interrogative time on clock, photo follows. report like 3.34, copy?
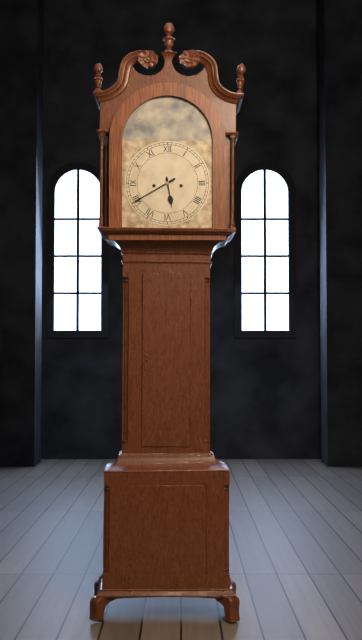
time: 5.40
